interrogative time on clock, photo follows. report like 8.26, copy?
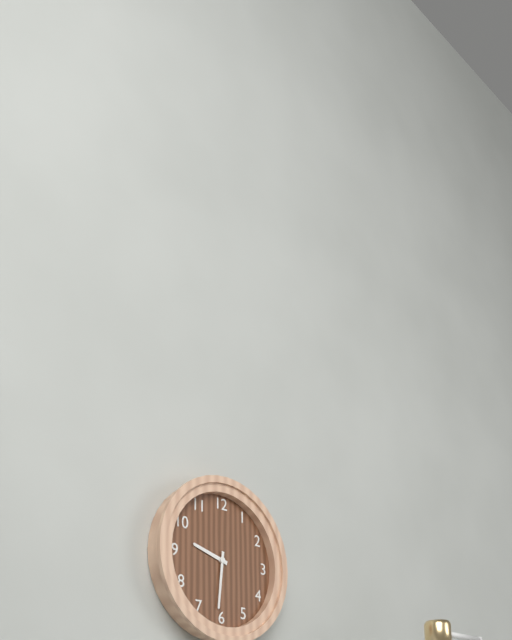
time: 9.31
